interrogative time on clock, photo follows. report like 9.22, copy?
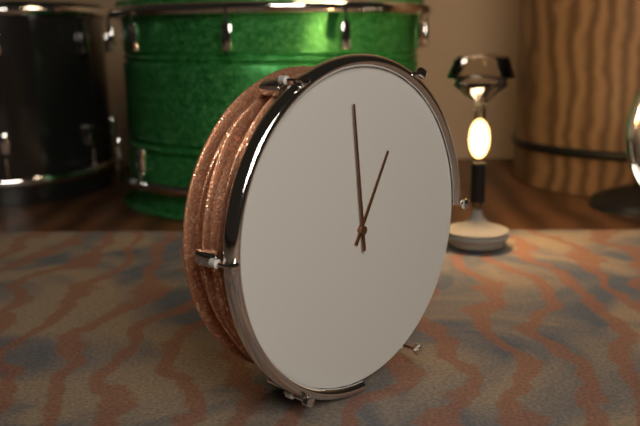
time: 12.59
